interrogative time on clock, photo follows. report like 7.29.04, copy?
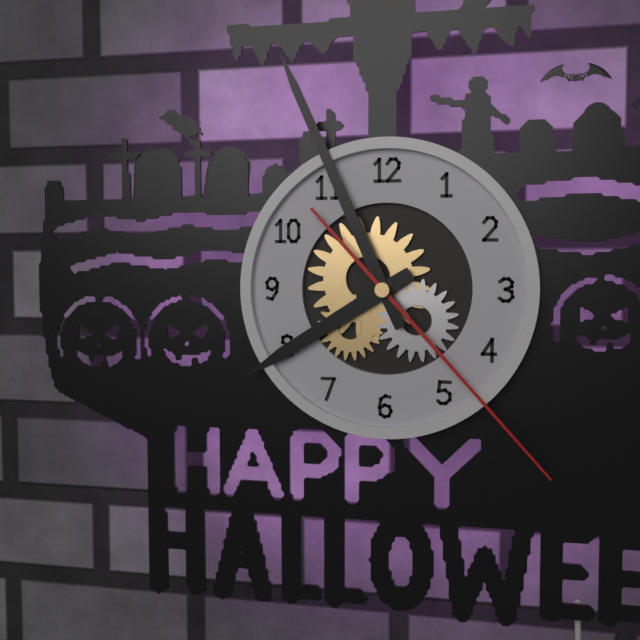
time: 7.56.23
